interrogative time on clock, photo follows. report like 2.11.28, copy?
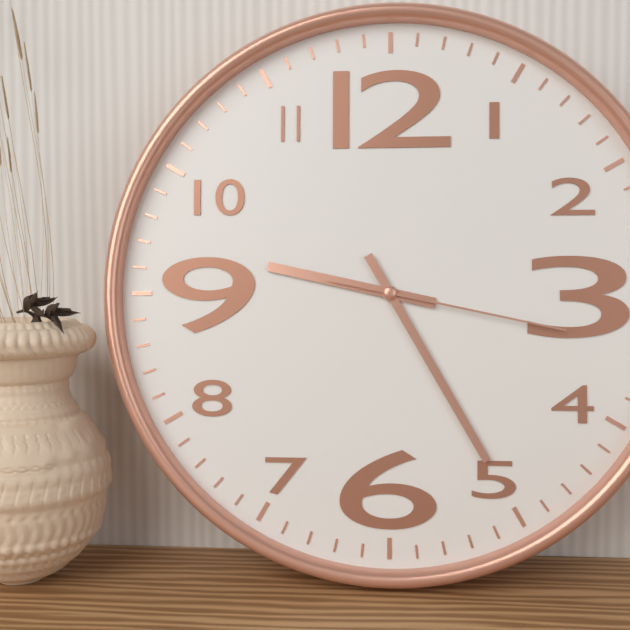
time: 9.25.17
